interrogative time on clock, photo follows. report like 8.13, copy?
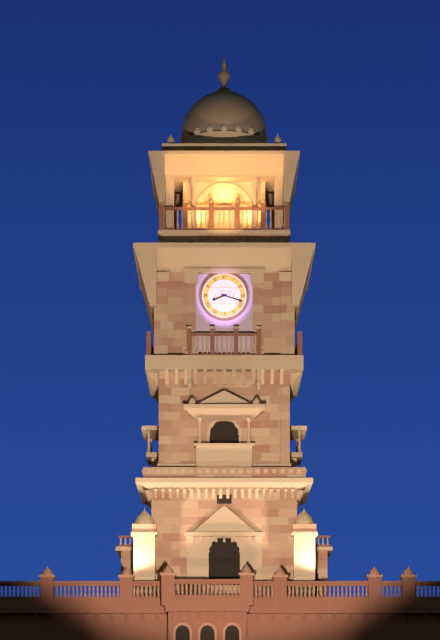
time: 8.18
